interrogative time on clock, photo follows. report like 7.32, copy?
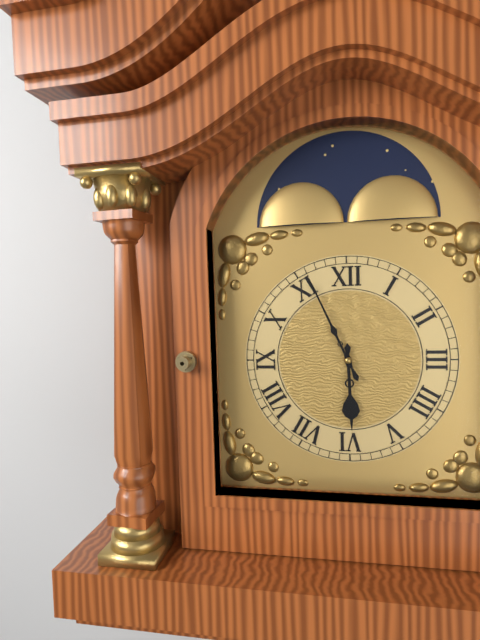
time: 5.56
